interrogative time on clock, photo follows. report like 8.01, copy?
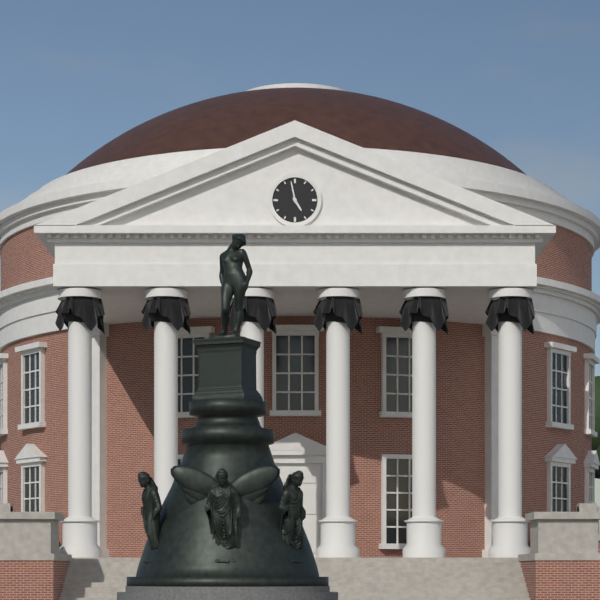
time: 4.58
